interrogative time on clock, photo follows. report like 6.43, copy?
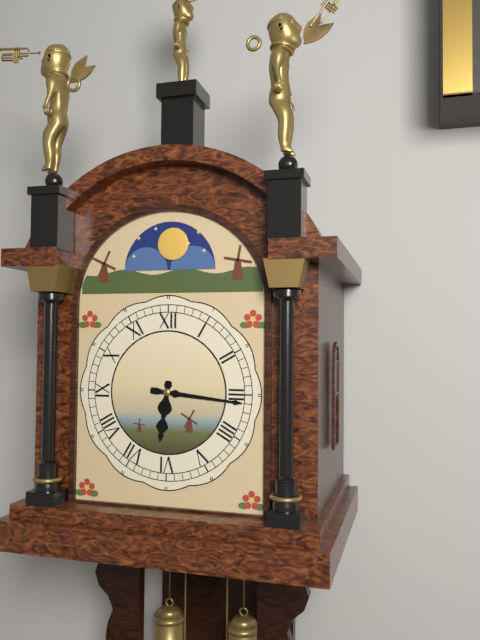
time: 6.16
